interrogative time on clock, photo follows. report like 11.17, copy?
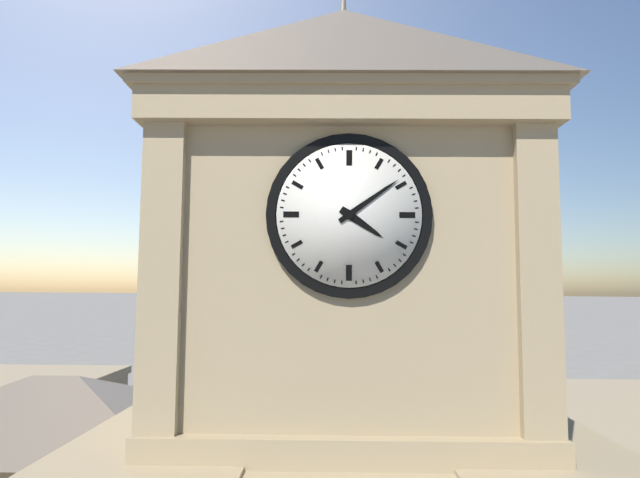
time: 4.09
